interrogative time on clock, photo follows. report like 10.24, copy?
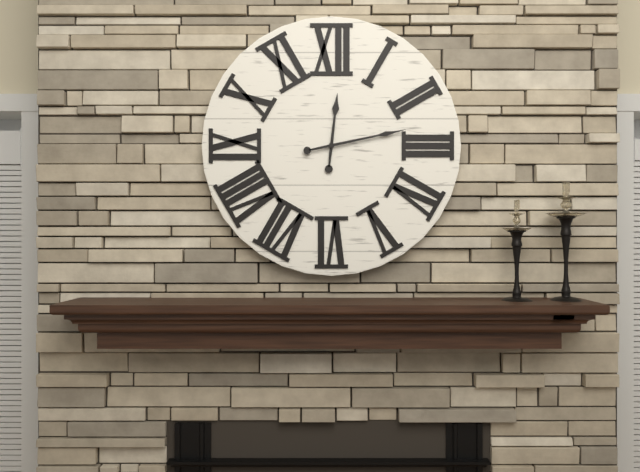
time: 12.13
